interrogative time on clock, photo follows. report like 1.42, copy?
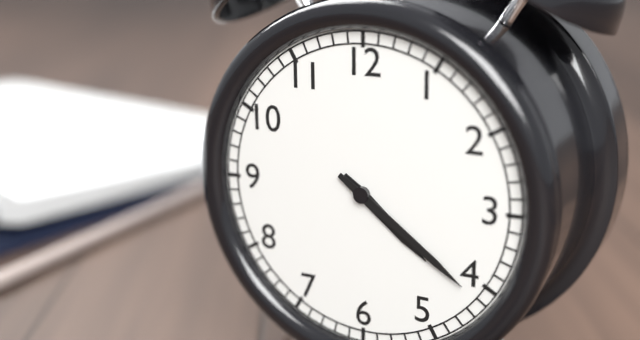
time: 4.21
